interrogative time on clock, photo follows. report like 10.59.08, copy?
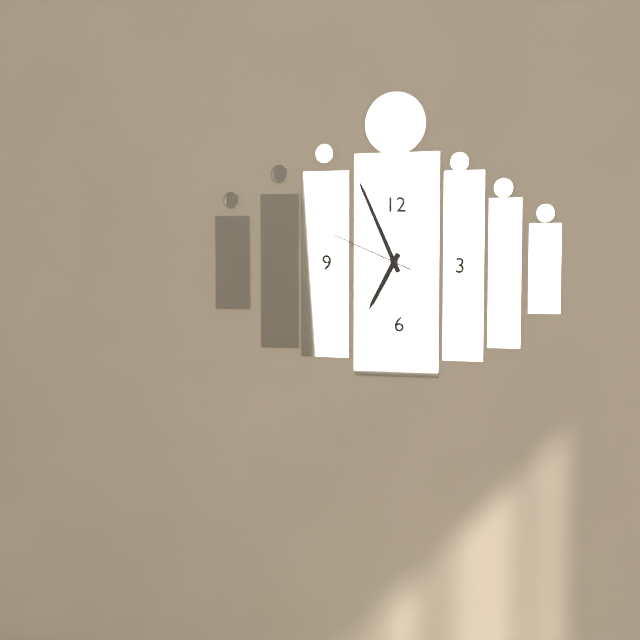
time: 6.56.49
